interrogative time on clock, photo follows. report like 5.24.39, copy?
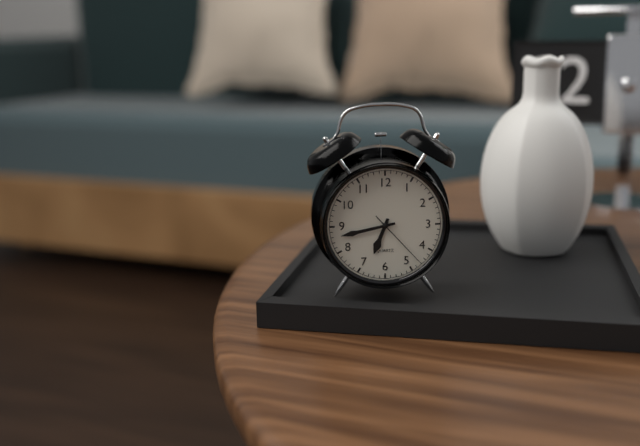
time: 6.43.23
